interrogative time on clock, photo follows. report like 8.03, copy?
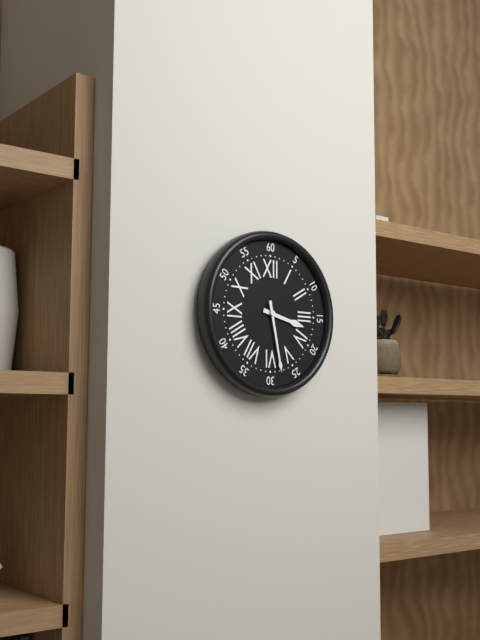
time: 3.28
